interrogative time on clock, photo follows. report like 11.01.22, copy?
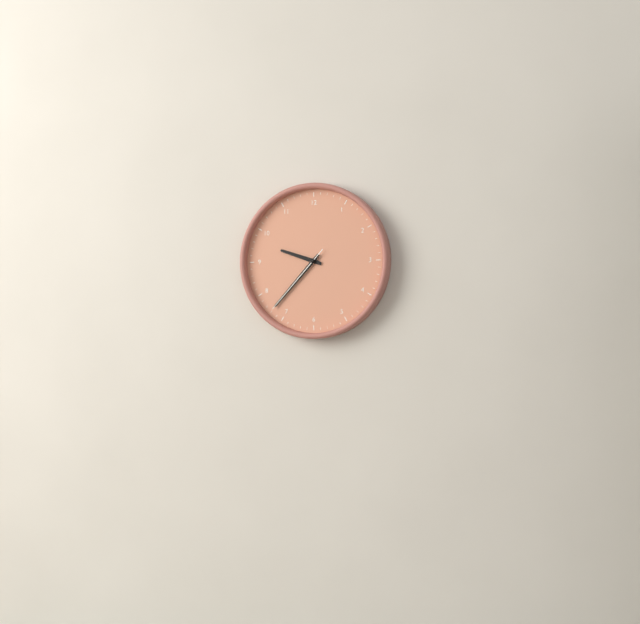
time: 9.37.37
